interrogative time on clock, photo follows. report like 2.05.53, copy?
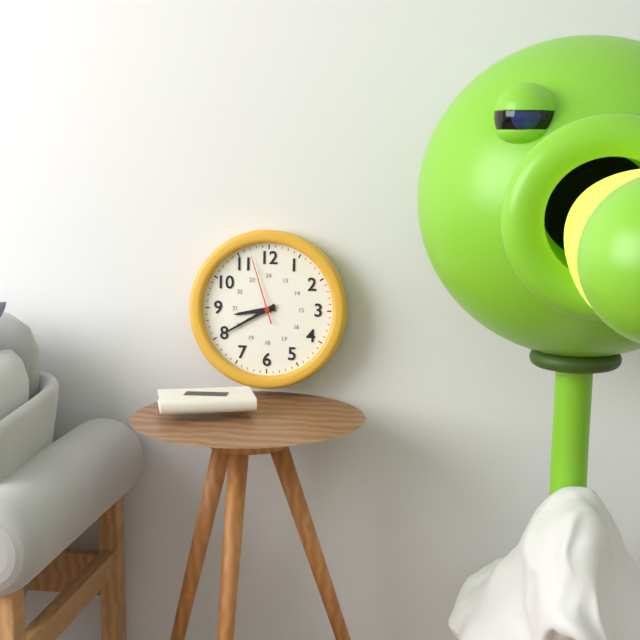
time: 8.40.57
